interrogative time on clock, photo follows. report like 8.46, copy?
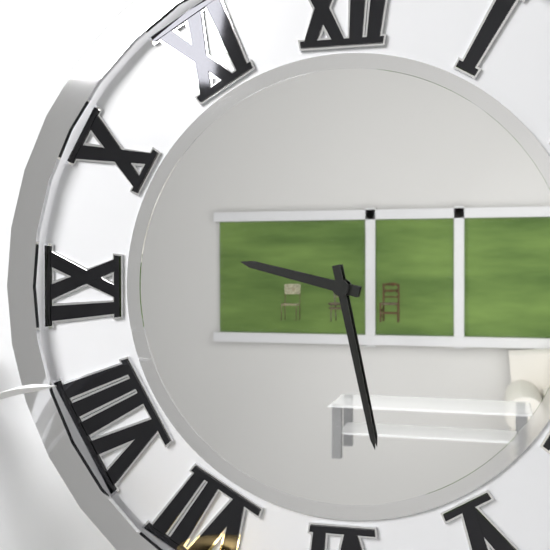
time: 9.28
